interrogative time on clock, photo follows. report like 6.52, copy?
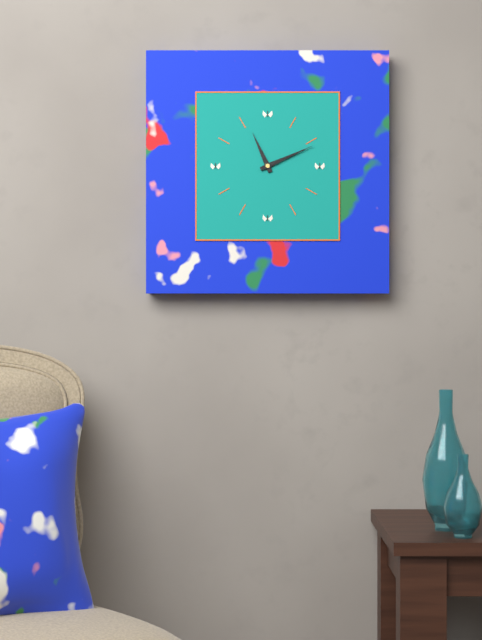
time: 11.11
